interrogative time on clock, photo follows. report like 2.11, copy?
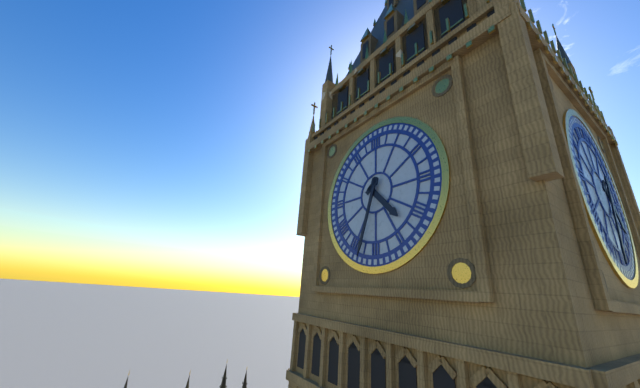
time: 4.33
